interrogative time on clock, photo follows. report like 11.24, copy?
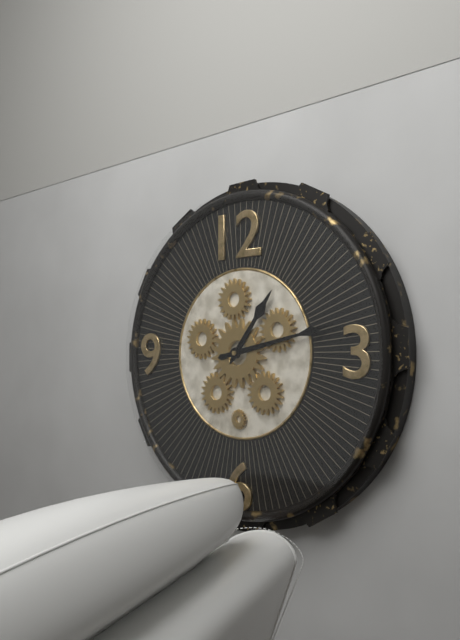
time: 1.13
